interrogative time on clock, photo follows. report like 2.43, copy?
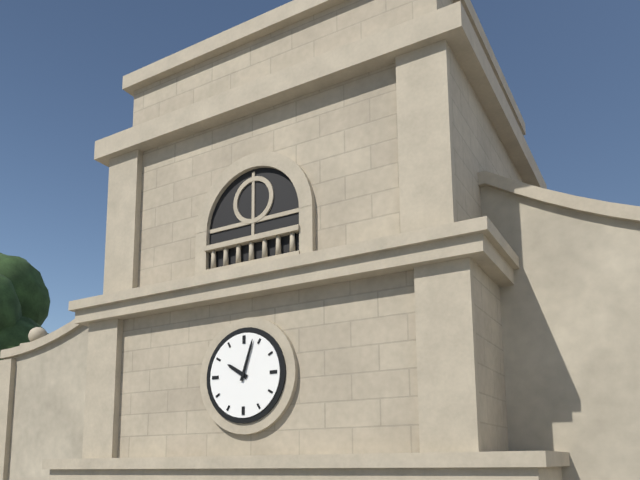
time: 10.03
